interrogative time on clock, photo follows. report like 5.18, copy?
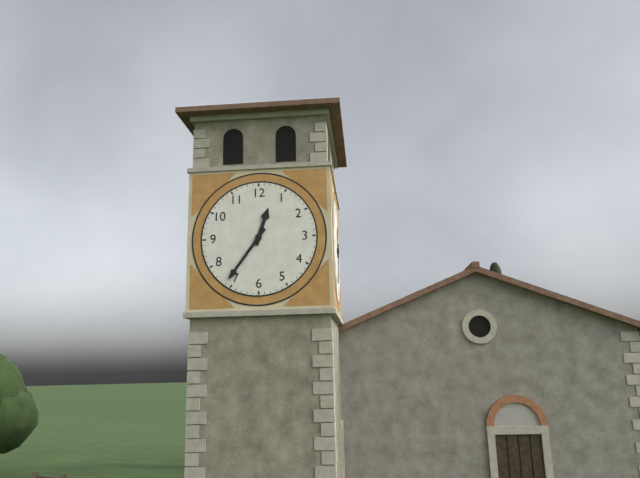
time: 12.36
